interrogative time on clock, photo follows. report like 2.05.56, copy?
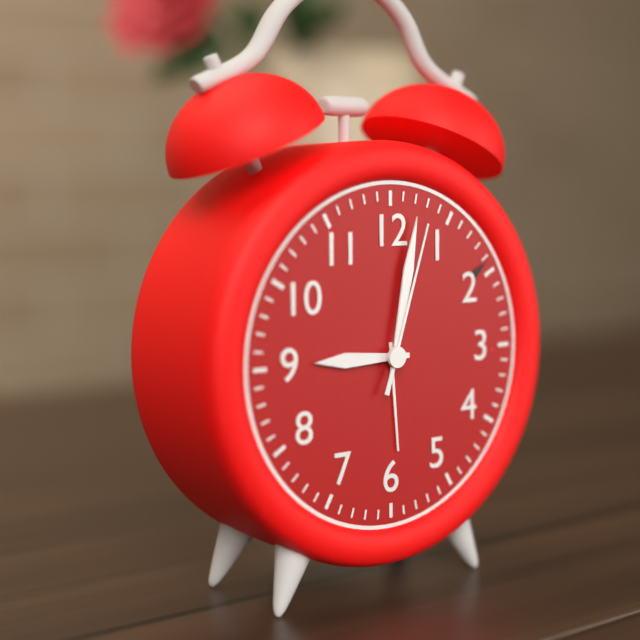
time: 9.02.03
